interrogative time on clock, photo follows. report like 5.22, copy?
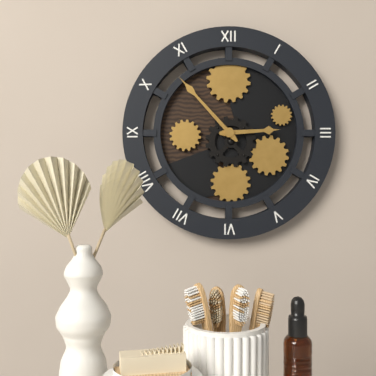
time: 2.53
